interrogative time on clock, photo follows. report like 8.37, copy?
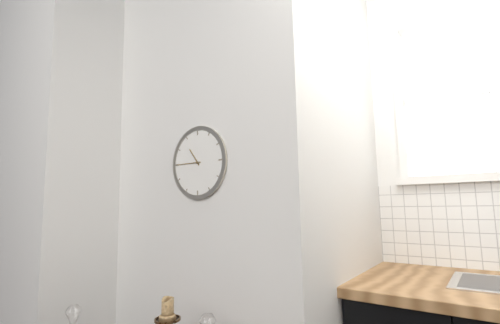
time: 10.45
